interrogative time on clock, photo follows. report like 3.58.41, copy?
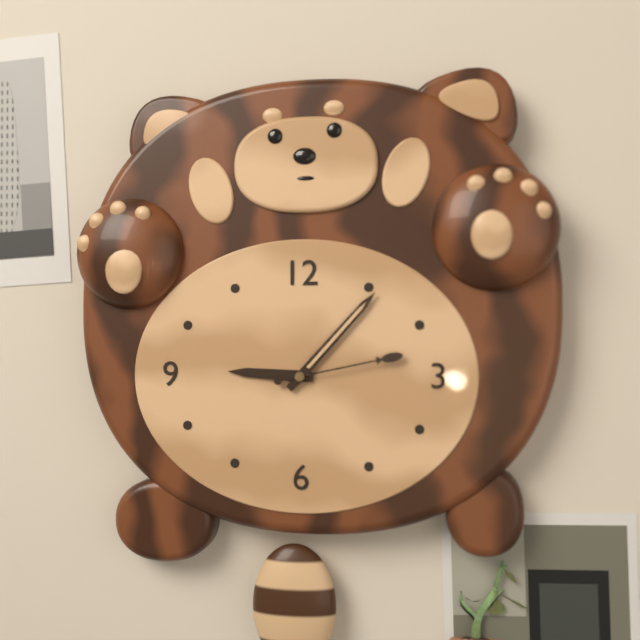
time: 9.07.13
